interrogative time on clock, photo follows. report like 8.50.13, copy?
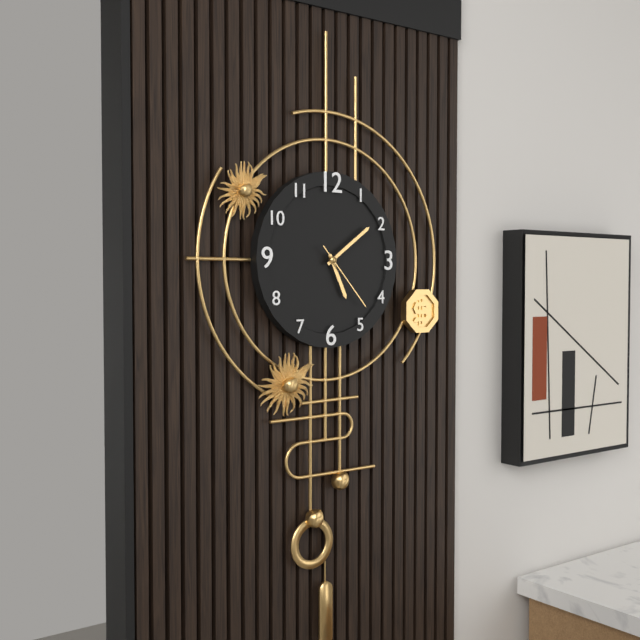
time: 5.09.23
